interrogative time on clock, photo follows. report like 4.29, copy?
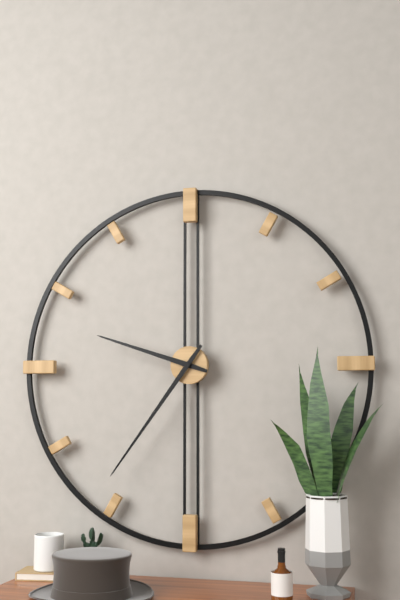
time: 9.36
